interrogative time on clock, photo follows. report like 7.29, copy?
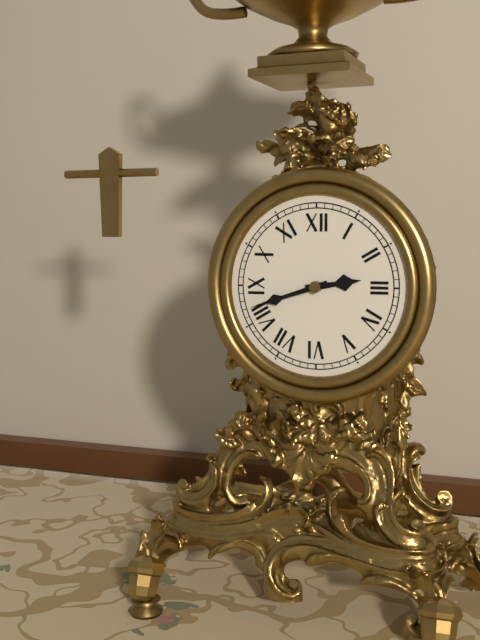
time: 2.42
